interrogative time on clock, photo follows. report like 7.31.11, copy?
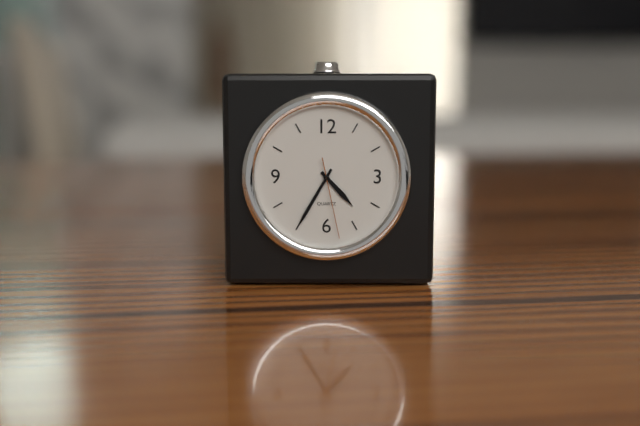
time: 4.35.28
